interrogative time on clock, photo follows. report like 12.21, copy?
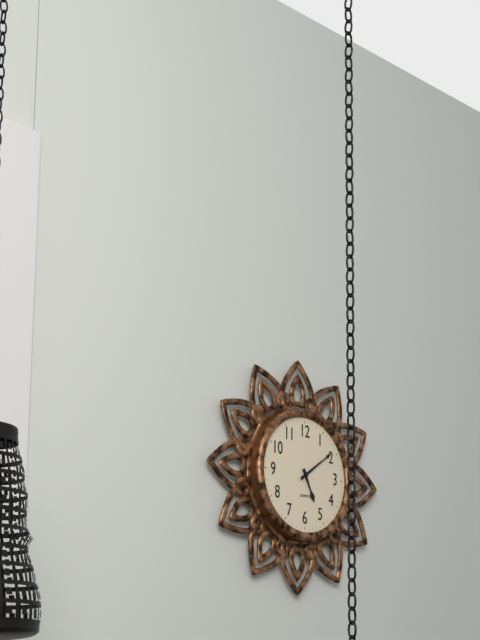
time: 5.09
